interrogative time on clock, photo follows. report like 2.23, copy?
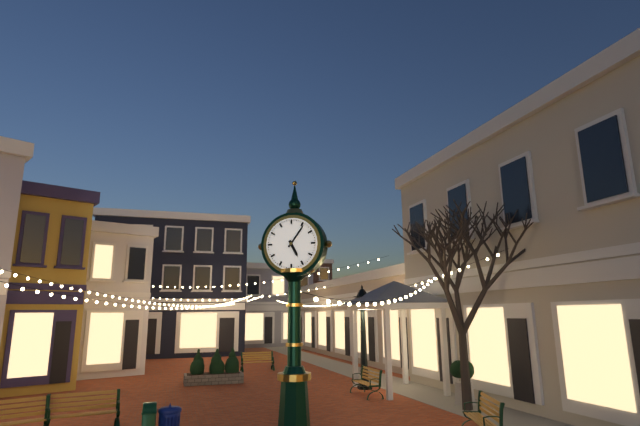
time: 5.06
